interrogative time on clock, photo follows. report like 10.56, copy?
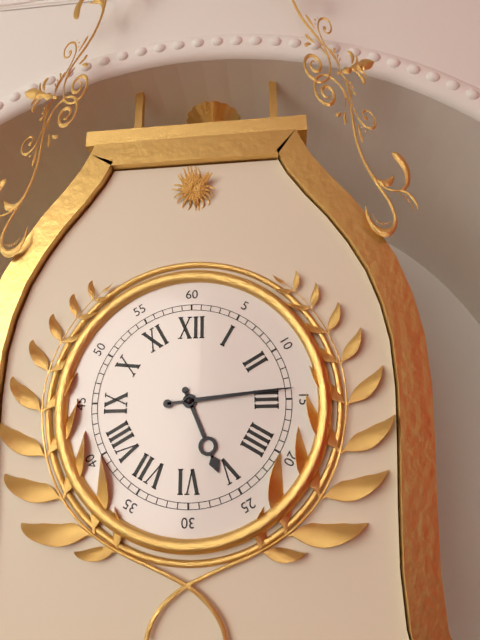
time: 5.14
